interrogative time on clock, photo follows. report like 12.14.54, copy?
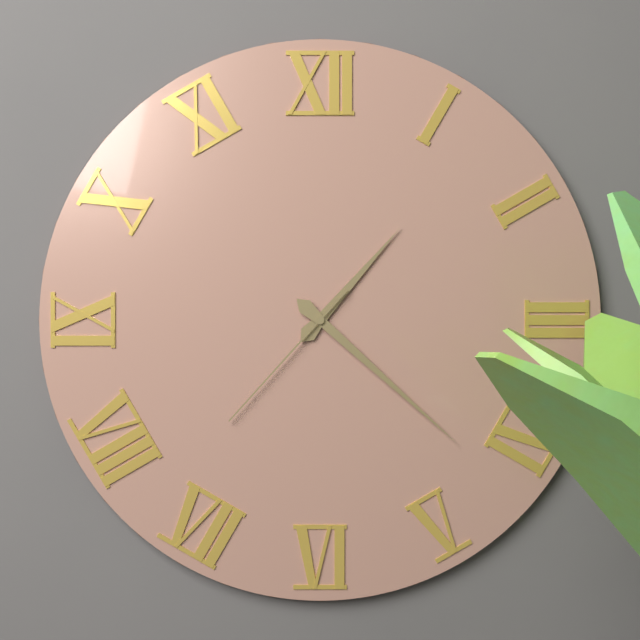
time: 1.22.37
